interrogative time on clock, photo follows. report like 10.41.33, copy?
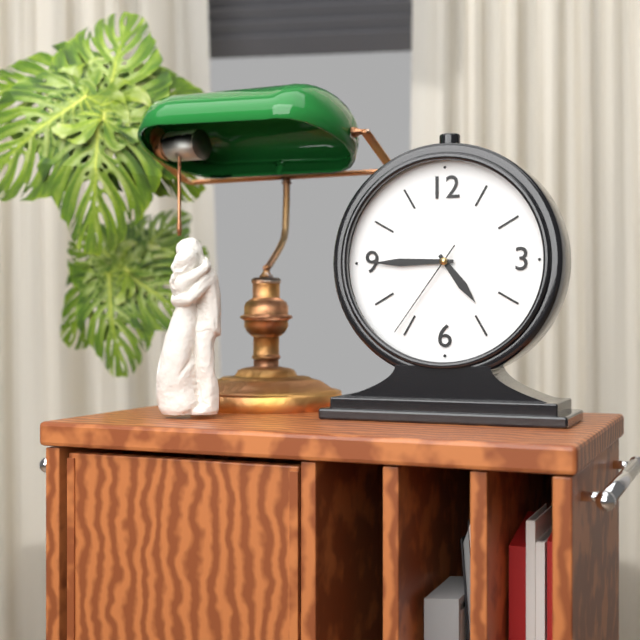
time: 4.45.36
